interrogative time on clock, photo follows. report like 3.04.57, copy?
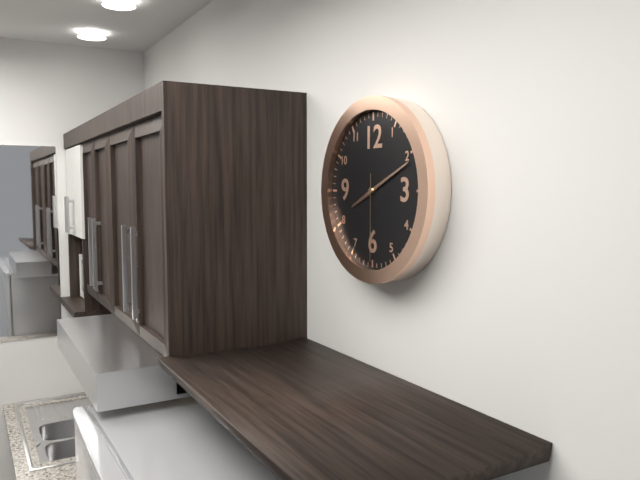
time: 8.11.30
